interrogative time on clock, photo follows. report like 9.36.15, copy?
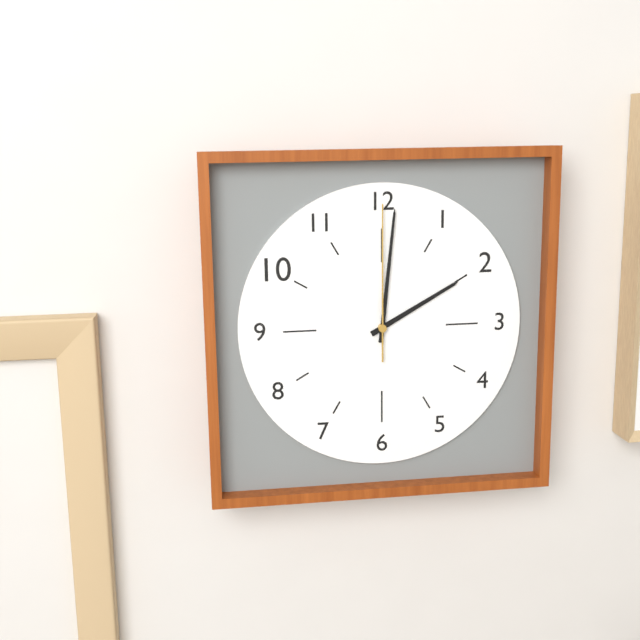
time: 2.01.00
